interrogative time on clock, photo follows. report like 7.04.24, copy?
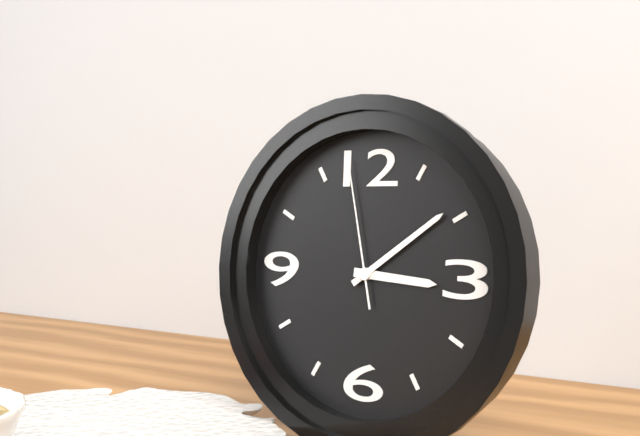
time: 3.09.58
